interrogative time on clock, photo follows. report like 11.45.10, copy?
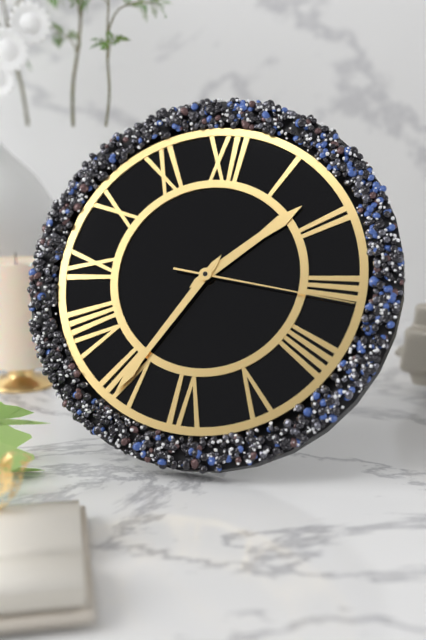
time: 1.35.16
